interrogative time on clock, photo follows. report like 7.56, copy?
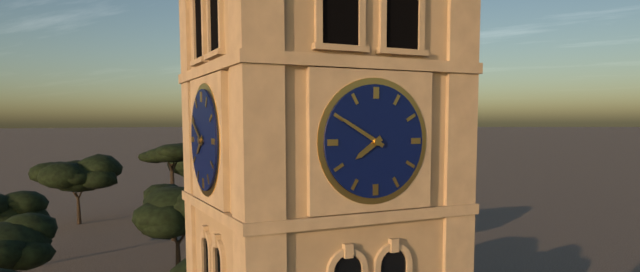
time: 7.50
